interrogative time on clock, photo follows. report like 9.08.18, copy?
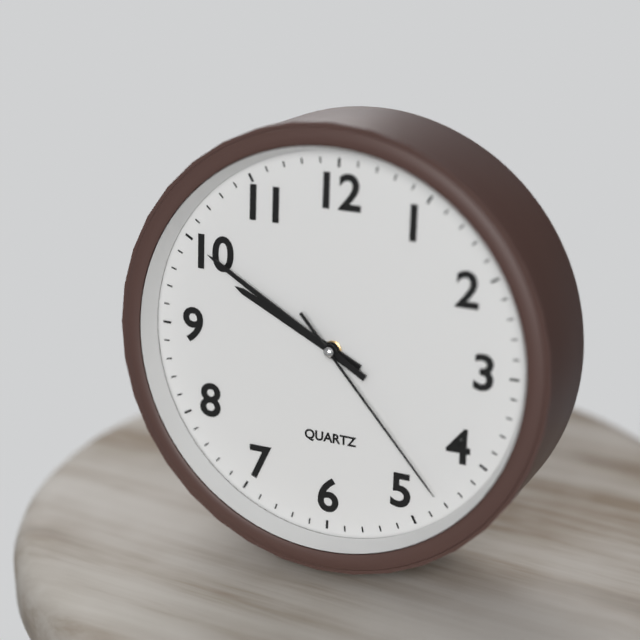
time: 9.50.23
